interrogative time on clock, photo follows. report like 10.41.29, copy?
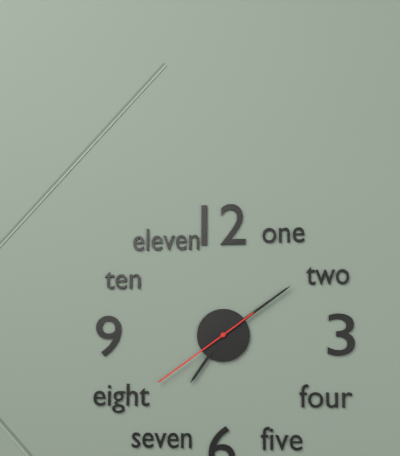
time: 7.09.39
